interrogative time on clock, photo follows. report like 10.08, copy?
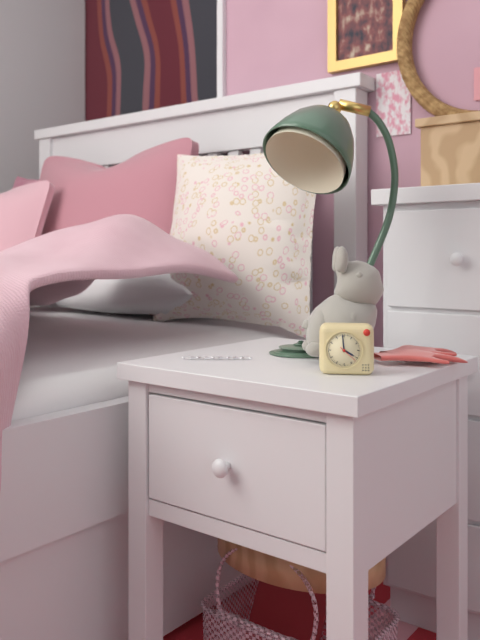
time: 3.59
